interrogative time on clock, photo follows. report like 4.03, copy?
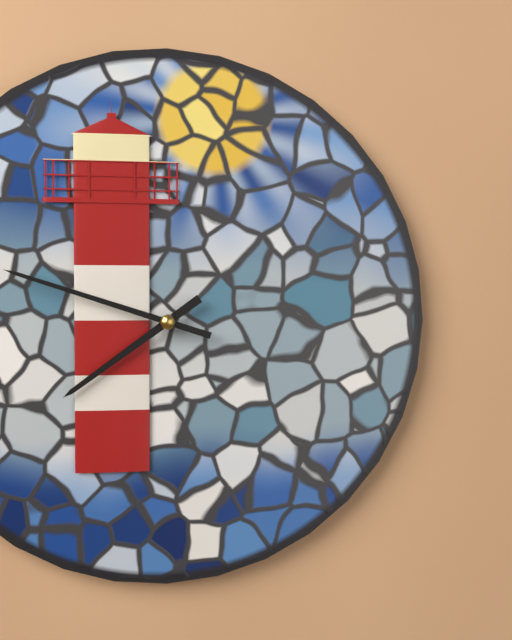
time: 7.48
